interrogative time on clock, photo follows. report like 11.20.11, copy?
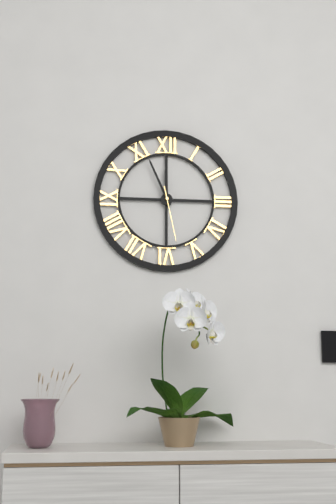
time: 11.56.28
